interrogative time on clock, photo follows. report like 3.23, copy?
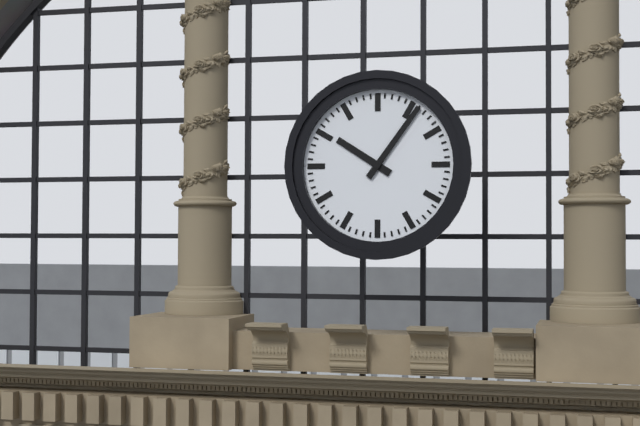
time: 10.06
